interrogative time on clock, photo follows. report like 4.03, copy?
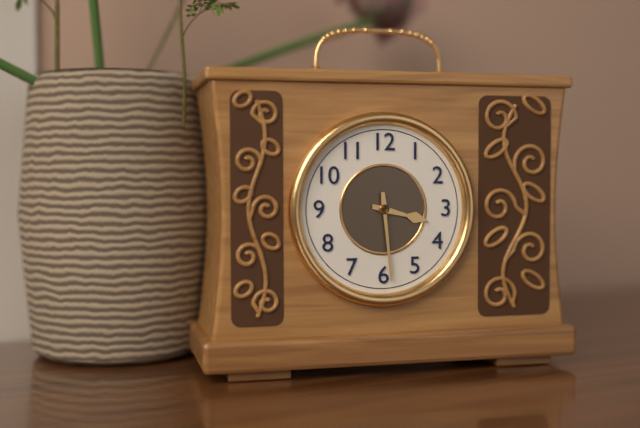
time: 3.29
